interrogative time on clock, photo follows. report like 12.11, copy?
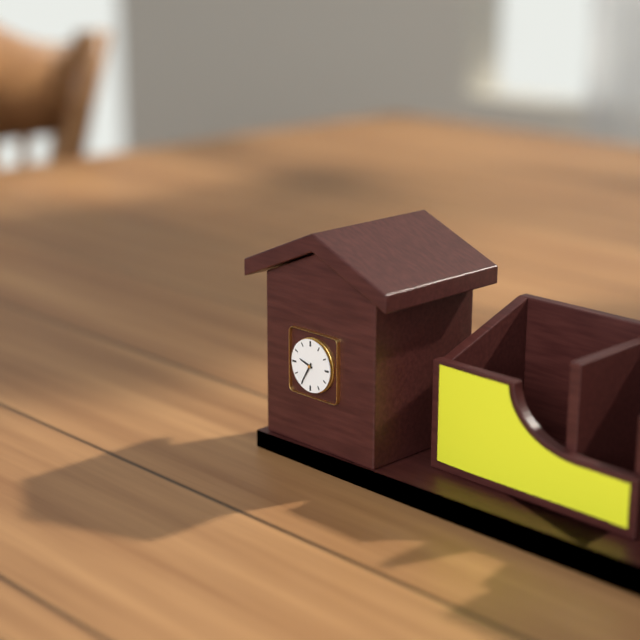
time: 9.35
